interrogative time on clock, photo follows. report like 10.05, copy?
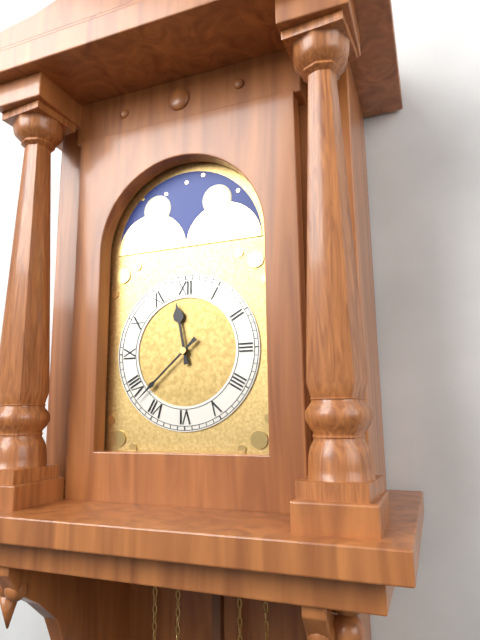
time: 11.38
